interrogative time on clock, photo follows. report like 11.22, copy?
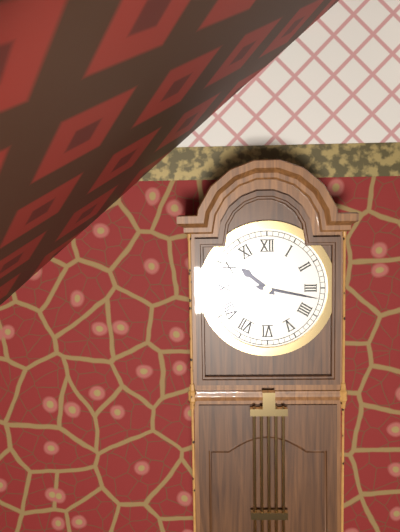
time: 10.17
